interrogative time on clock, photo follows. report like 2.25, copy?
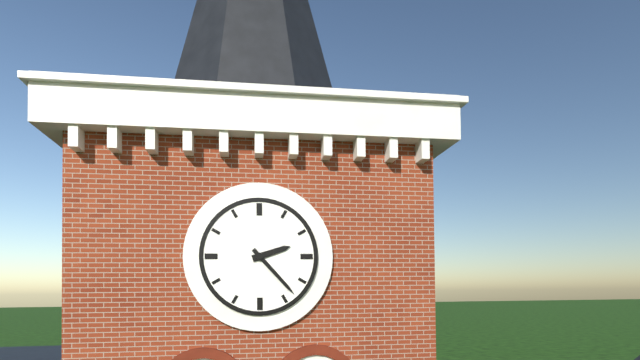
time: 2.23
